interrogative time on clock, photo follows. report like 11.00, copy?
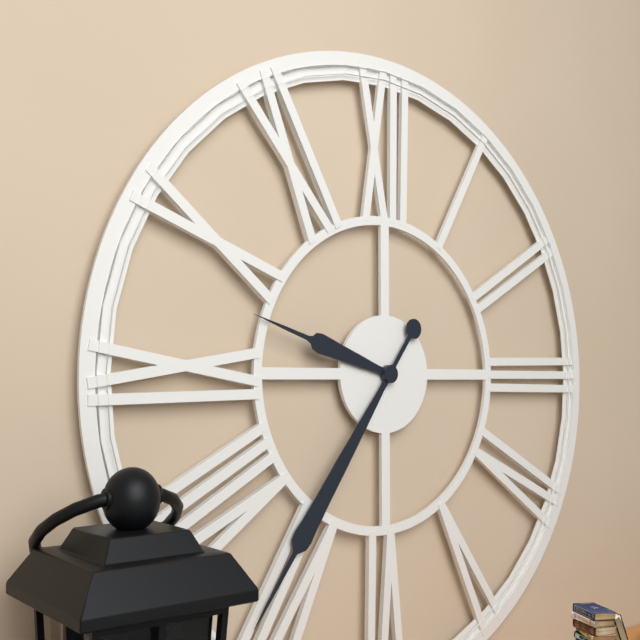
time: 9.36
